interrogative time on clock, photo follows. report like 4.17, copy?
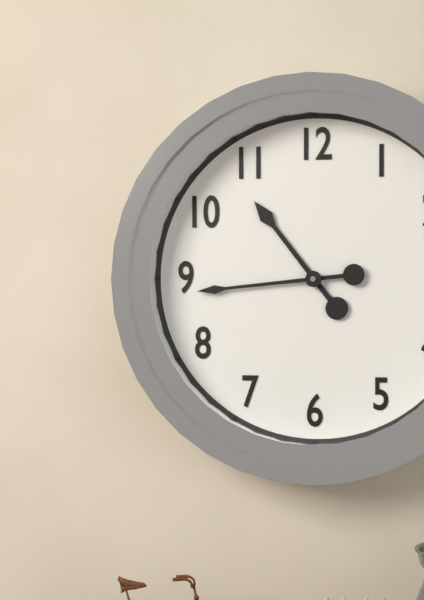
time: 10.44
